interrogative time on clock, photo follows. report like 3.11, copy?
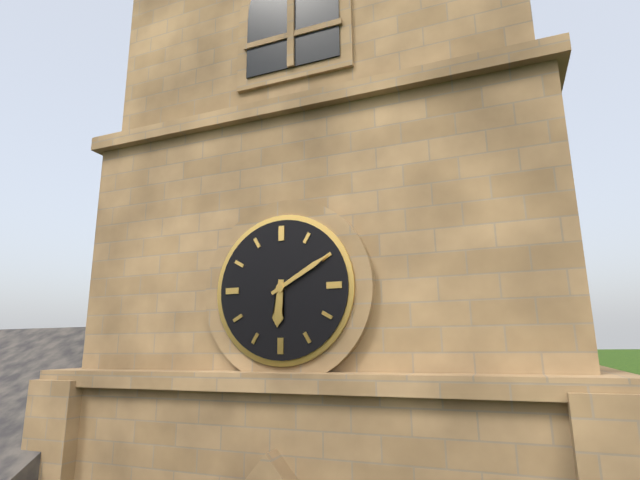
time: 6.10
